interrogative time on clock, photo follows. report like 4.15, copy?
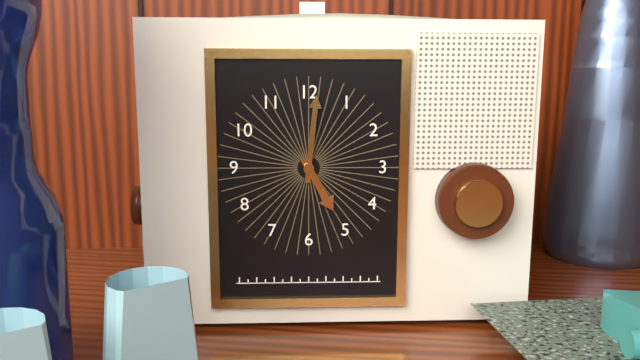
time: 5.01
